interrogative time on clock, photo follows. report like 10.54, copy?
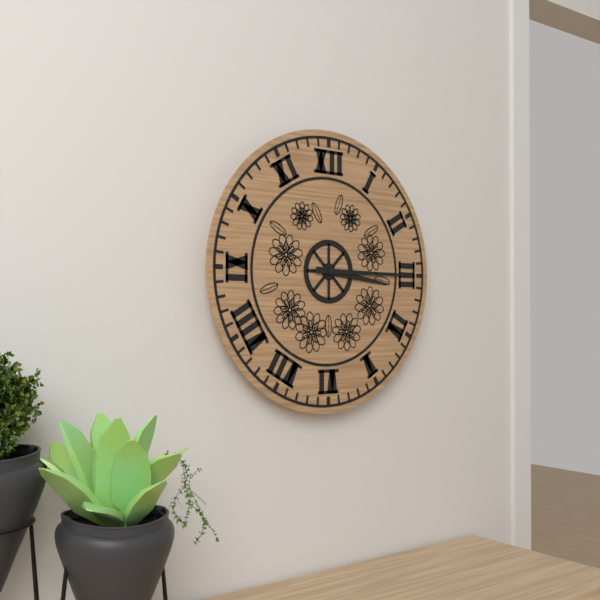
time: 3.15
